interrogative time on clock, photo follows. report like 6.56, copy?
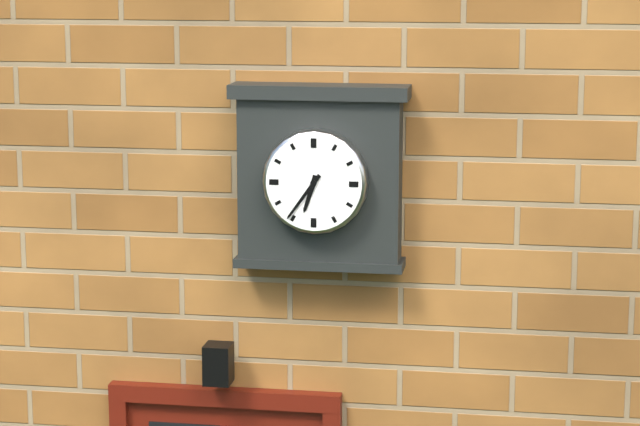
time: 6.36
